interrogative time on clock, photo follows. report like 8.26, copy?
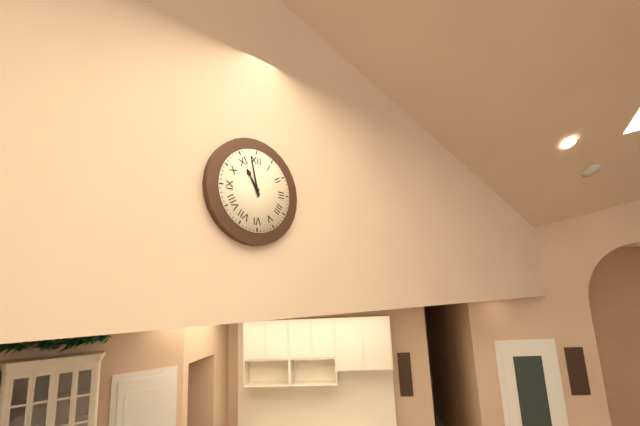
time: 10.58
